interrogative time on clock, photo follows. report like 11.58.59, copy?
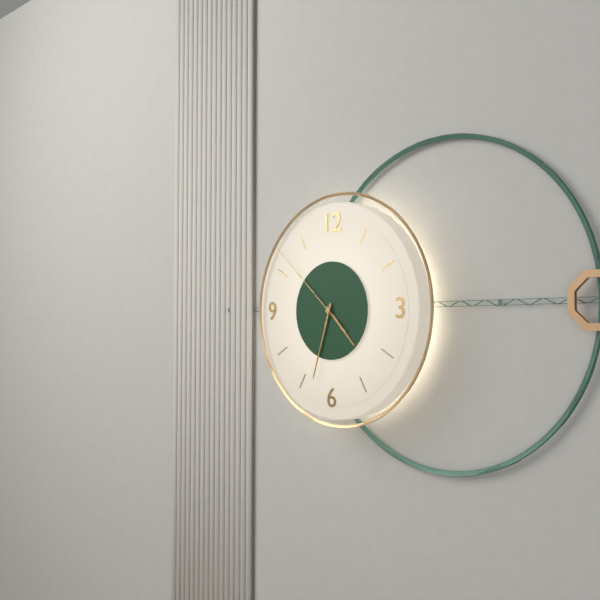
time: 4.33.52
